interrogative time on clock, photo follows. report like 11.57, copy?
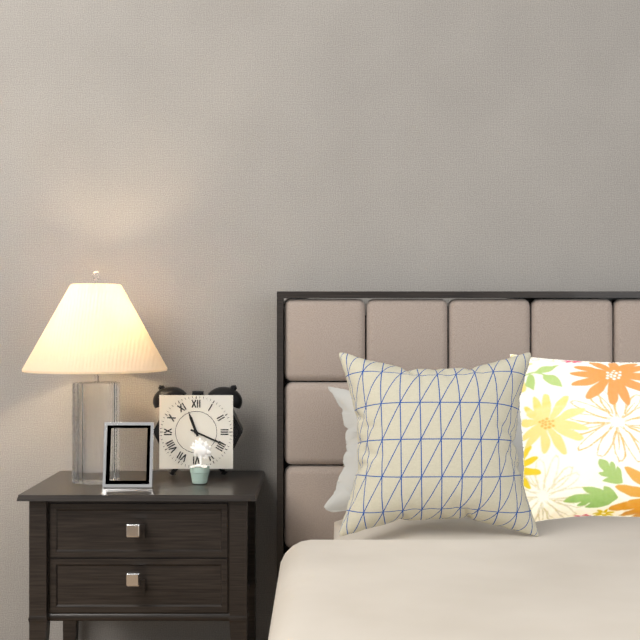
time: 11.19
